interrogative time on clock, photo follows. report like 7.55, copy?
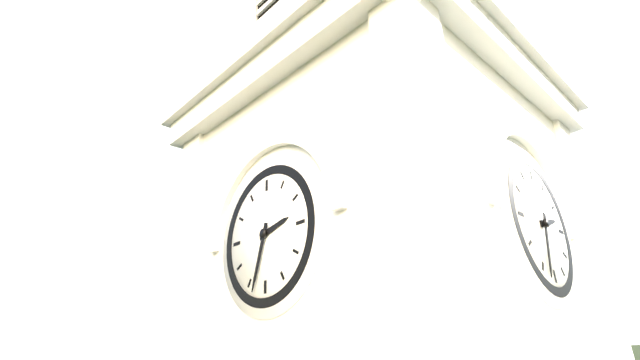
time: 2.33
